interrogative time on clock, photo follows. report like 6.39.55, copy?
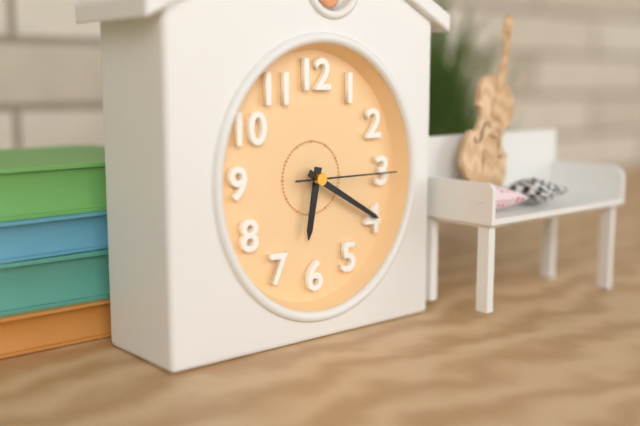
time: 6.20.15
